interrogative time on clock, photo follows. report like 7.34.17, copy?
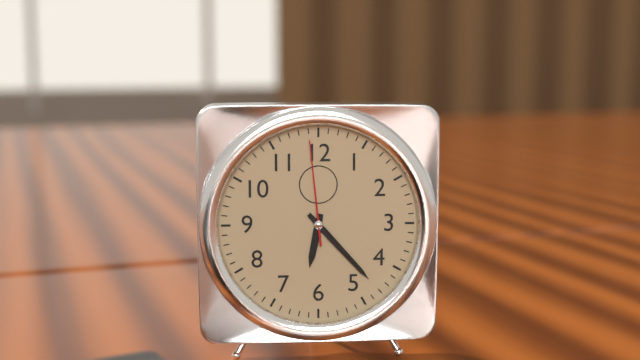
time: 6.23.59
